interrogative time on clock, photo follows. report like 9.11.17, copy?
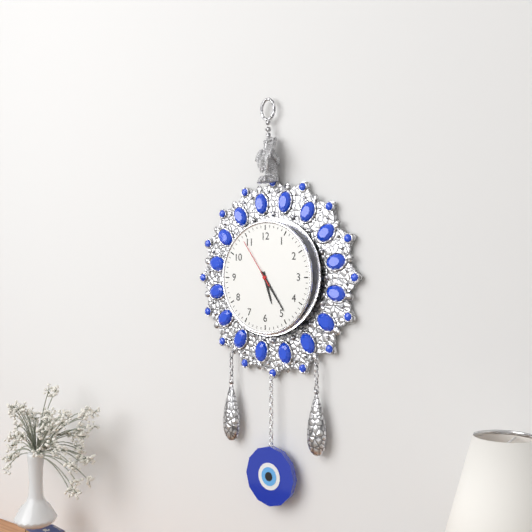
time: 5.24.54
